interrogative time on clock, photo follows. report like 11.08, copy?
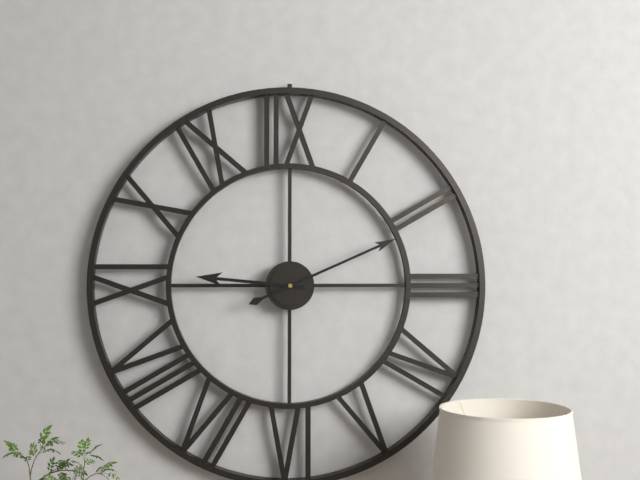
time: 9.11
